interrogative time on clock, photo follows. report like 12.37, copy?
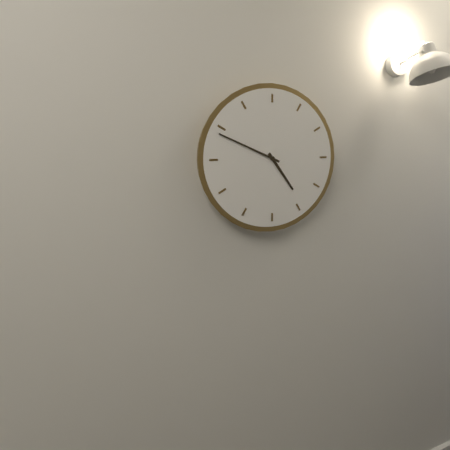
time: 4.49
